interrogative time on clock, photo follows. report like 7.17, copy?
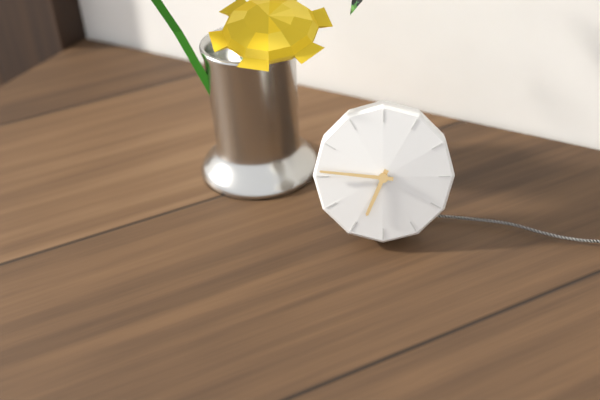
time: 6.46
